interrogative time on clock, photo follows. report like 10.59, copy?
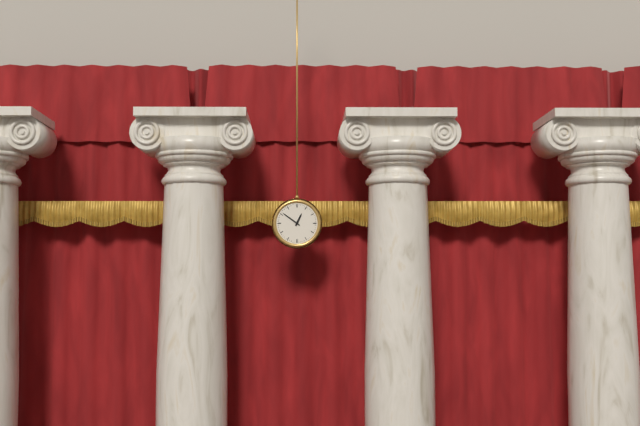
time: 12.51
